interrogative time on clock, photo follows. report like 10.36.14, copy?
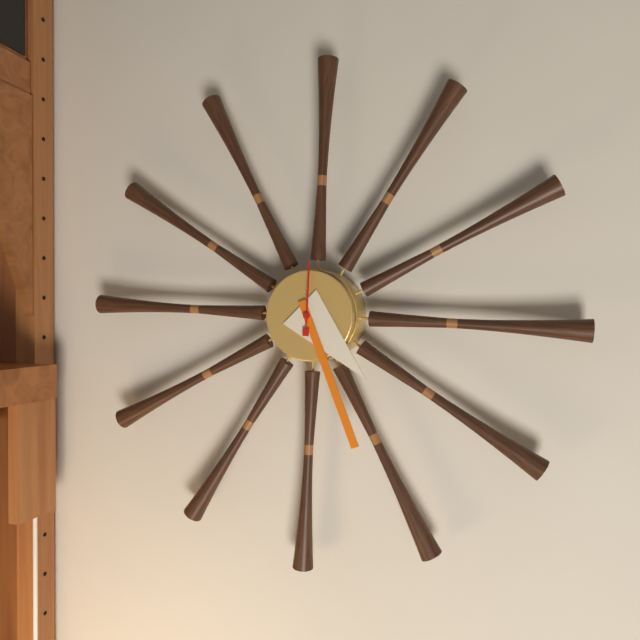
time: 4.26.00
